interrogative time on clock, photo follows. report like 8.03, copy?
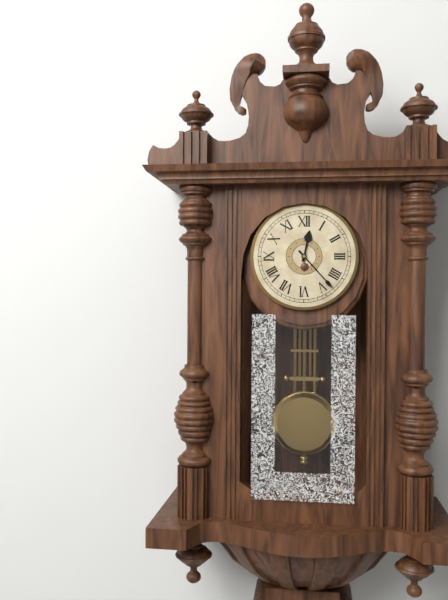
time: 12.23
